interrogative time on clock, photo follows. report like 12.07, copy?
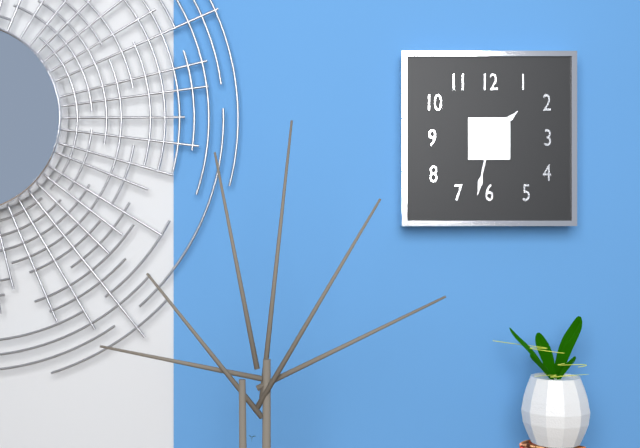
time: 1.32
